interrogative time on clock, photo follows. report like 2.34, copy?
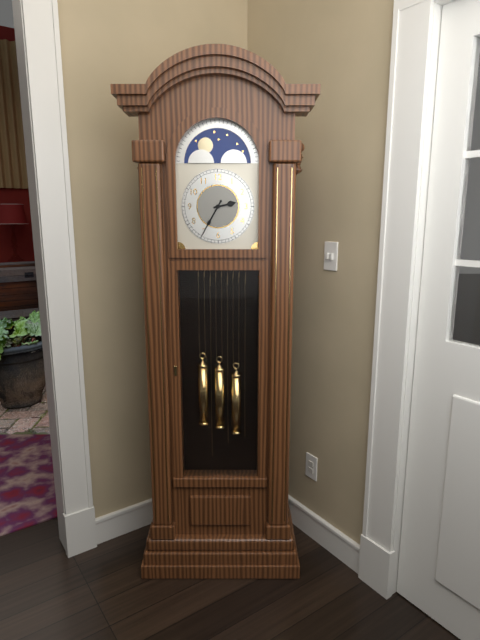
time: 2.35
